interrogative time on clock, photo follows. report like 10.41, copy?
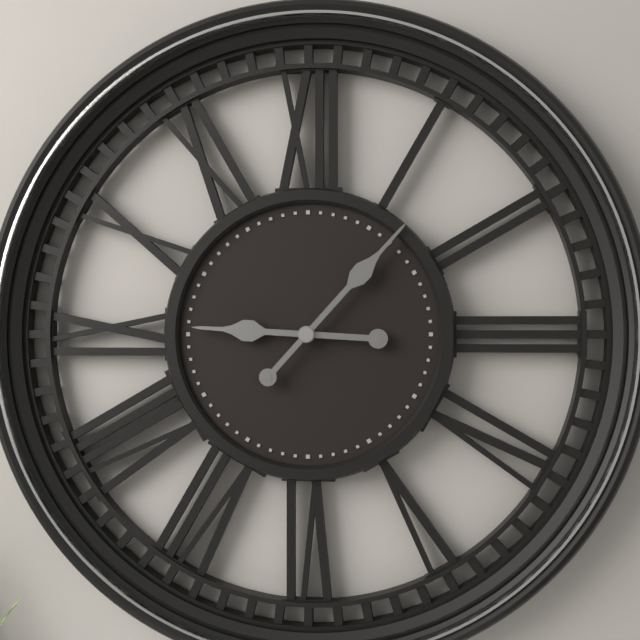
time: 9.07
